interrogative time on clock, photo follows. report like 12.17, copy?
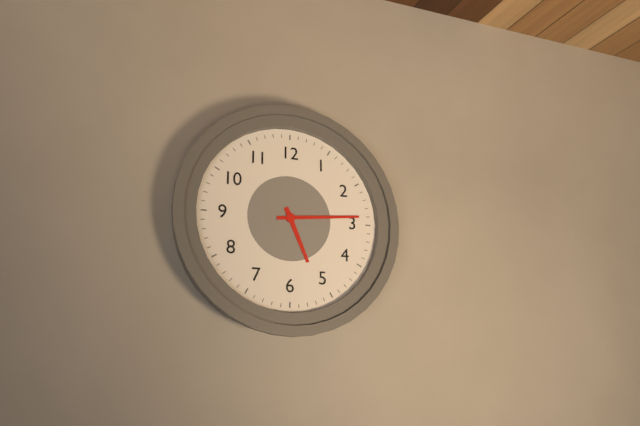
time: 5.14
